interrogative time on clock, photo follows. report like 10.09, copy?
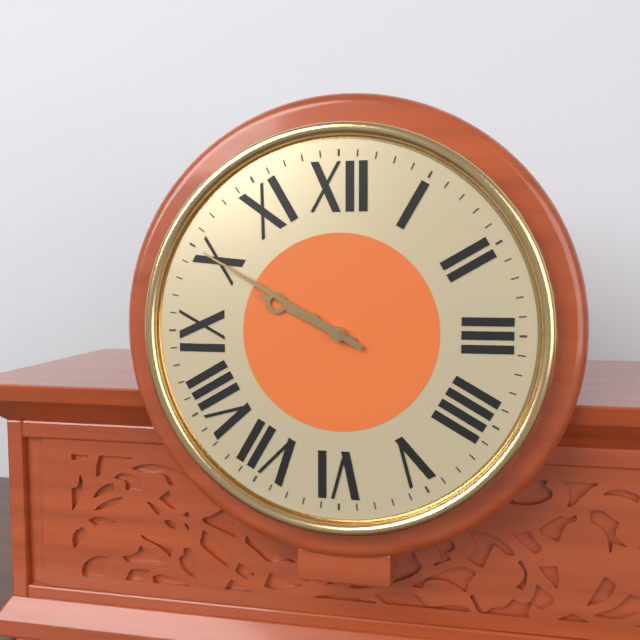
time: 9.50
